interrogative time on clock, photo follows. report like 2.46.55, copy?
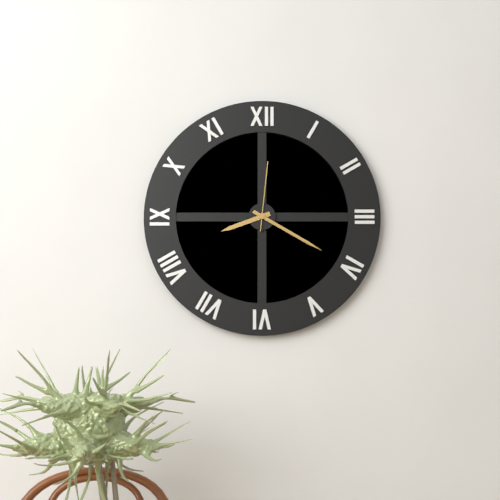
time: 8.20.01
